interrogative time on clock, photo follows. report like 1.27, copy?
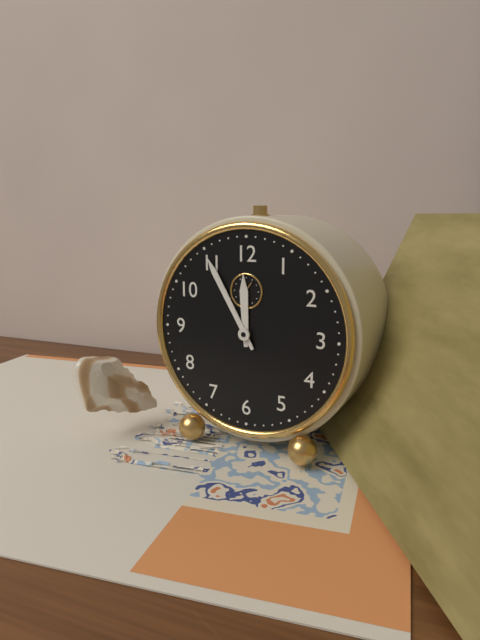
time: 11.55
